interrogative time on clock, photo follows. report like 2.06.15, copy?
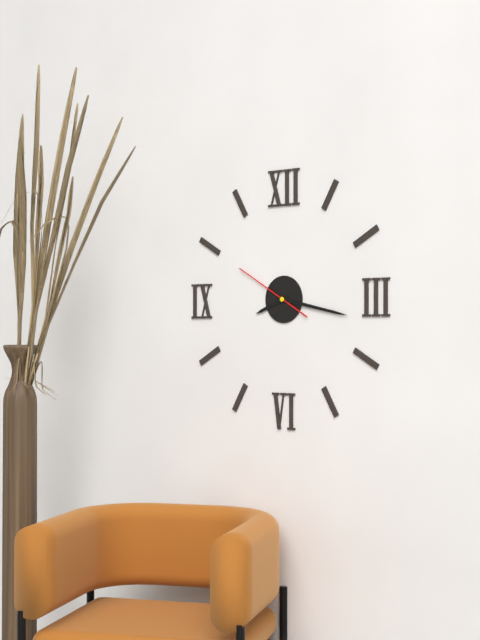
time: 8.17.50
